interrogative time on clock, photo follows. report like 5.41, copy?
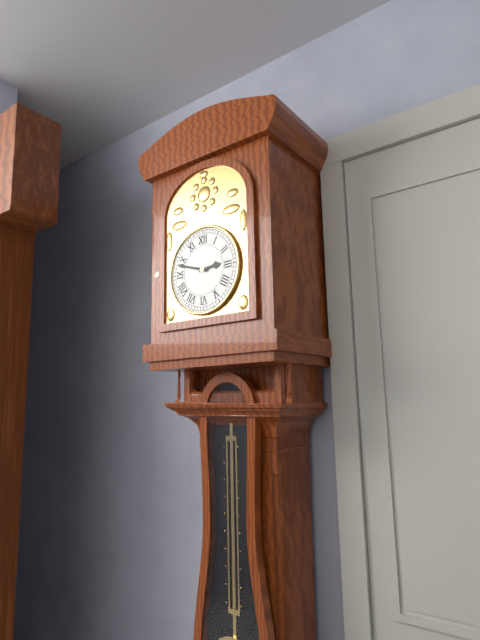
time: 2.48
